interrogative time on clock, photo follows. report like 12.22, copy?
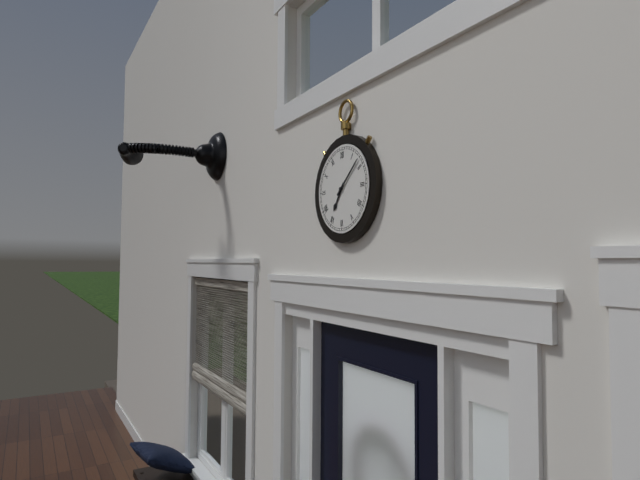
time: 7.08
